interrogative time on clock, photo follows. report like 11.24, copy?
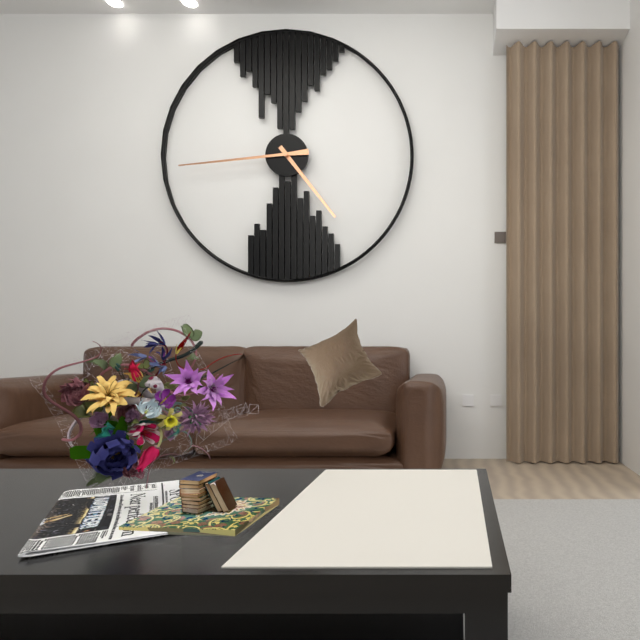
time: 4.44
